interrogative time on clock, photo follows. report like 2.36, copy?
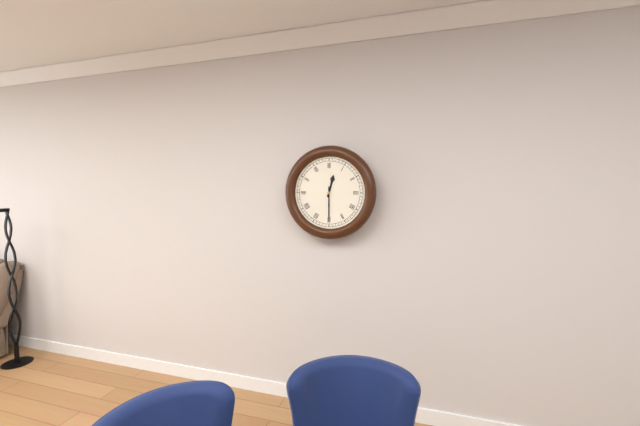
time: 12.30
